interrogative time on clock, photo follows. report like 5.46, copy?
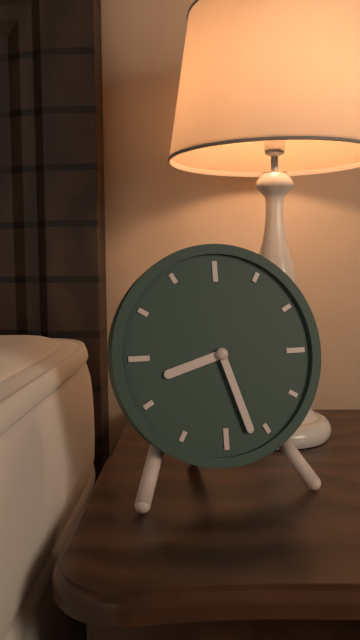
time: 8.27
